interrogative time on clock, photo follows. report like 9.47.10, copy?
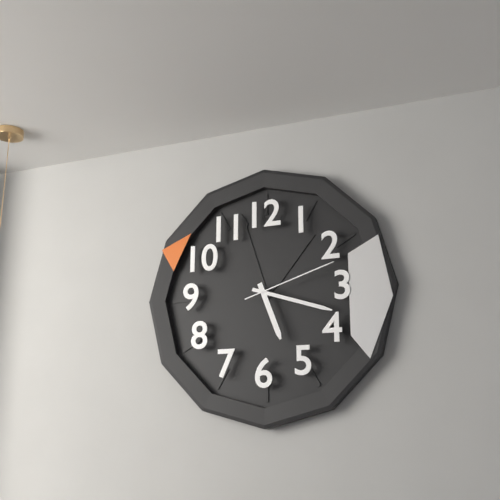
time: 5.18.12
